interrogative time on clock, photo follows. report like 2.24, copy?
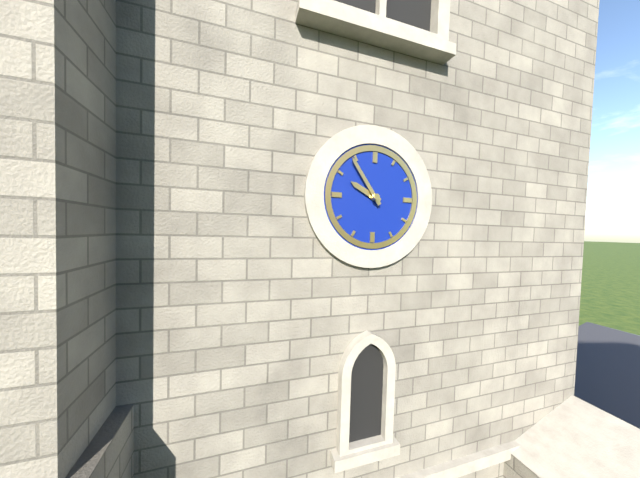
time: 9.54
